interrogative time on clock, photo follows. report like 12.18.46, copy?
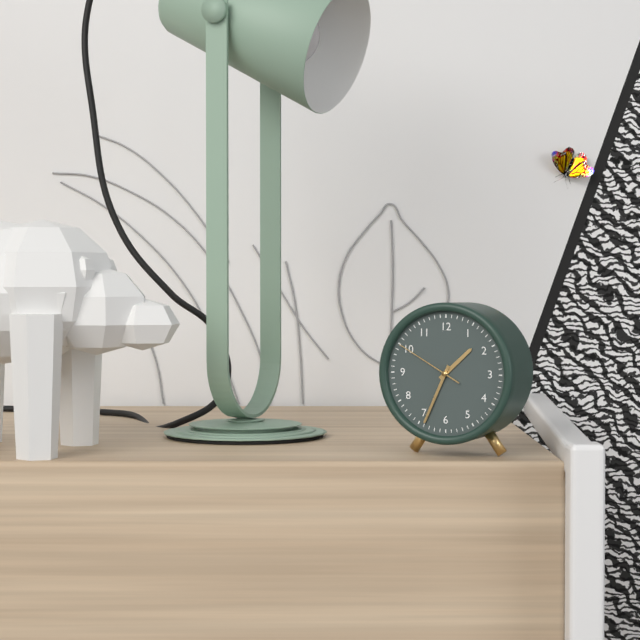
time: 1.34.50
